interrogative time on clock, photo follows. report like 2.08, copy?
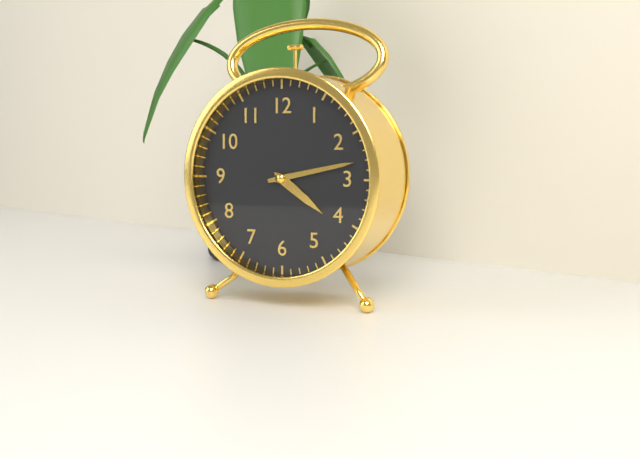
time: 4.13
